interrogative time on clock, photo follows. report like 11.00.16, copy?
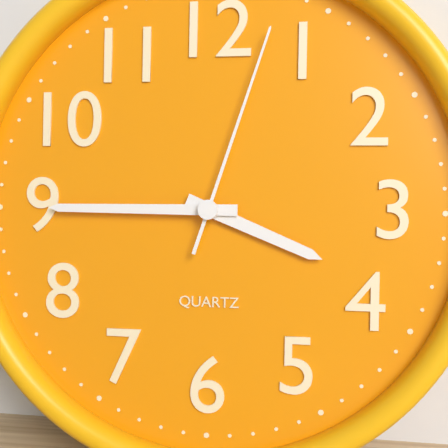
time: 3.45.03
